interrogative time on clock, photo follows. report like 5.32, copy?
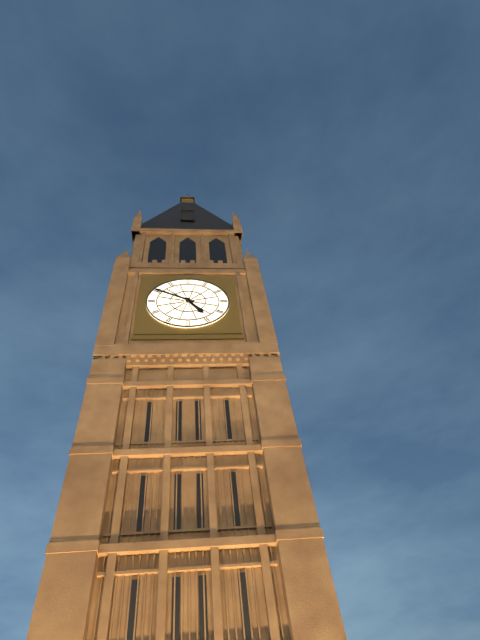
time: 4.50
